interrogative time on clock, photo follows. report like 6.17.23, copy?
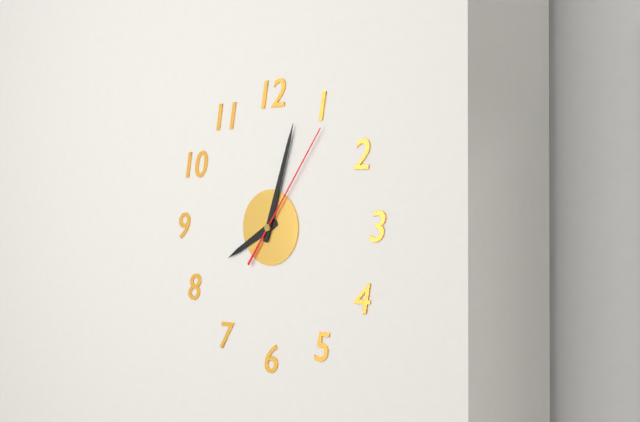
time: 8.03.06
